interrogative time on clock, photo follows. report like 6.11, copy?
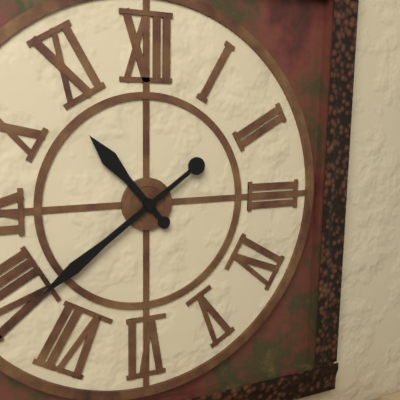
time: 10.39
